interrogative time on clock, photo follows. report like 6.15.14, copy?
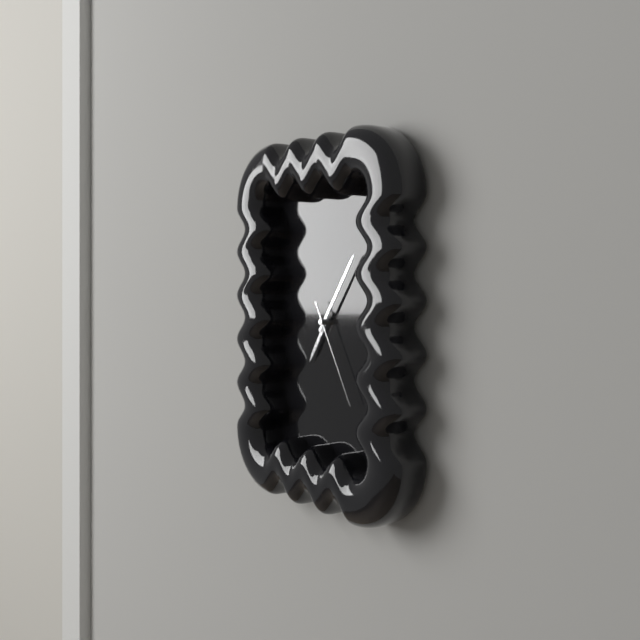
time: 7.06.25
